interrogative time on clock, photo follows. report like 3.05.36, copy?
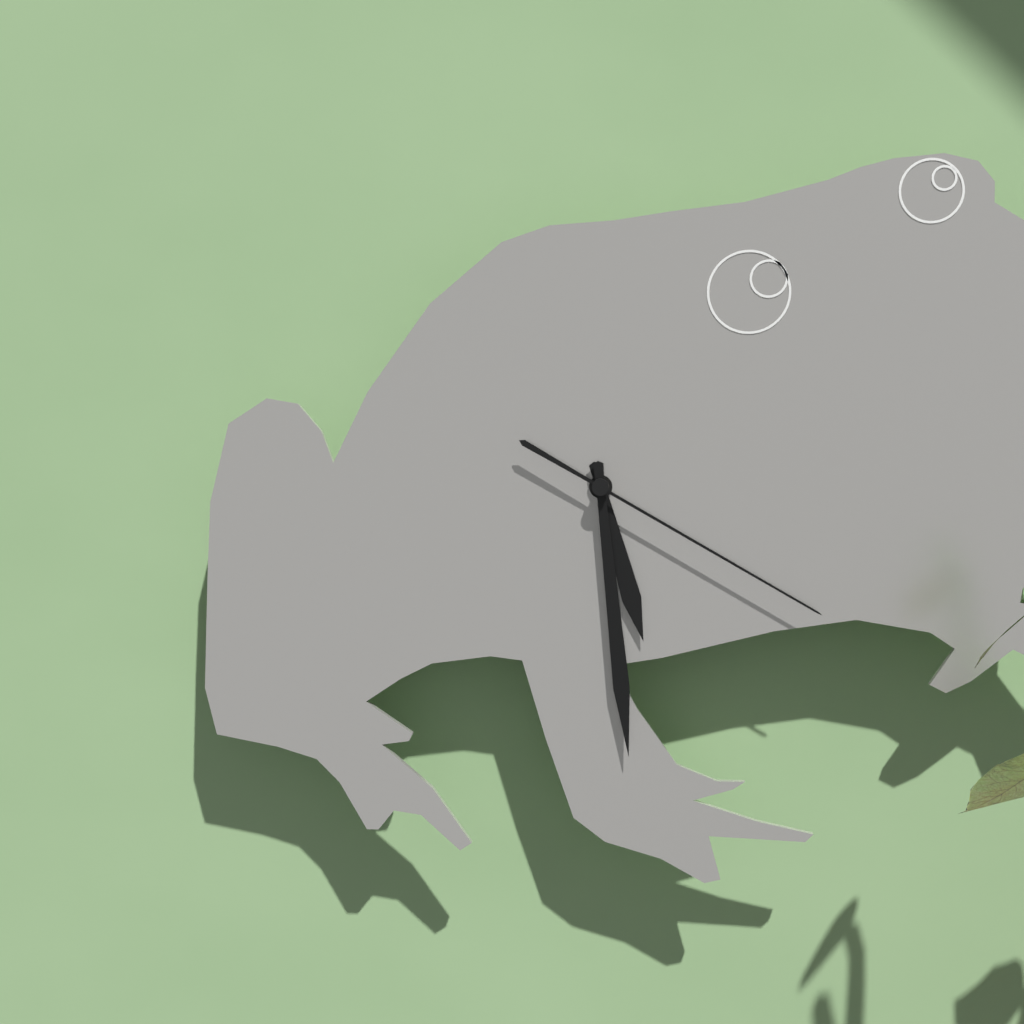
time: 5.29.20
